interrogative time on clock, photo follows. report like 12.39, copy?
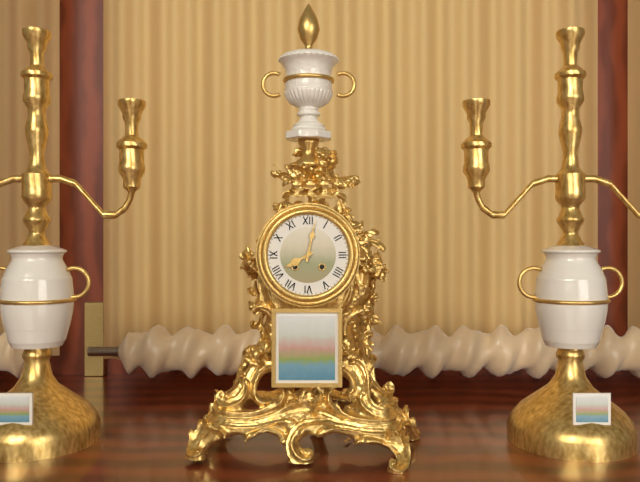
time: 8.02
